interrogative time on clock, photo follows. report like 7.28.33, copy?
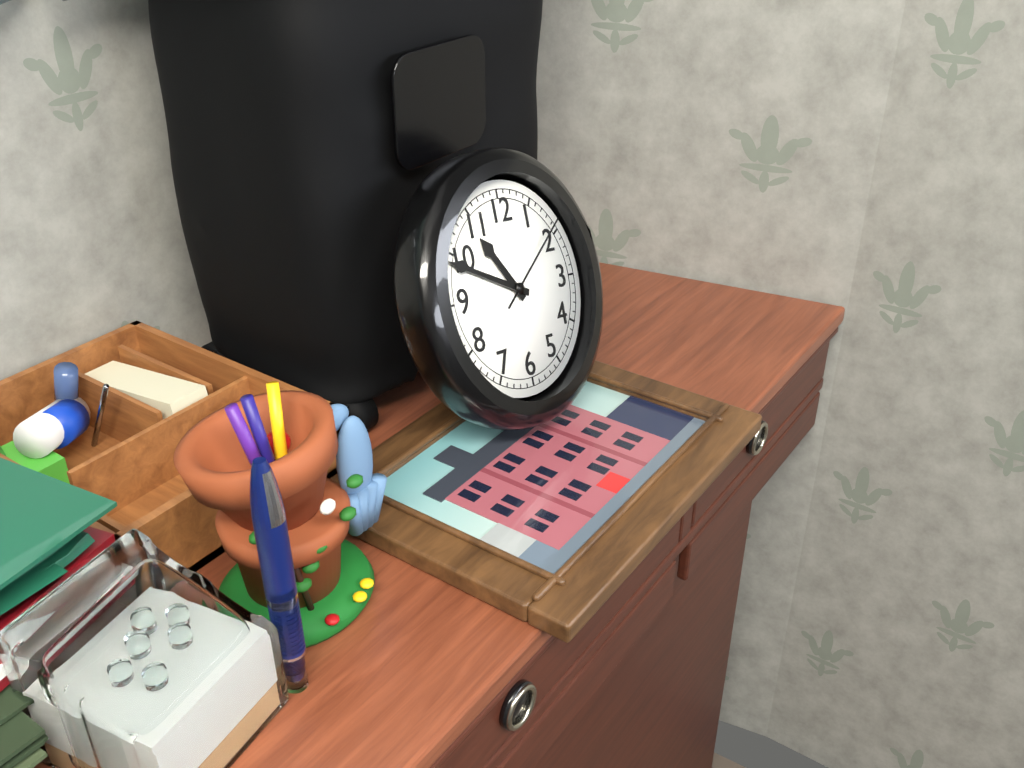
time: 10.49.09
